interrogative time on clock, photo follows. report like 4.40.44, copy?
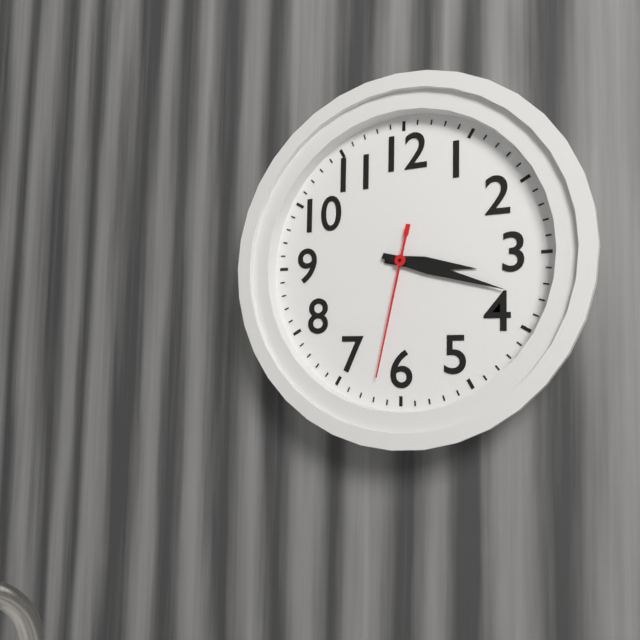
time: 3.18.32
